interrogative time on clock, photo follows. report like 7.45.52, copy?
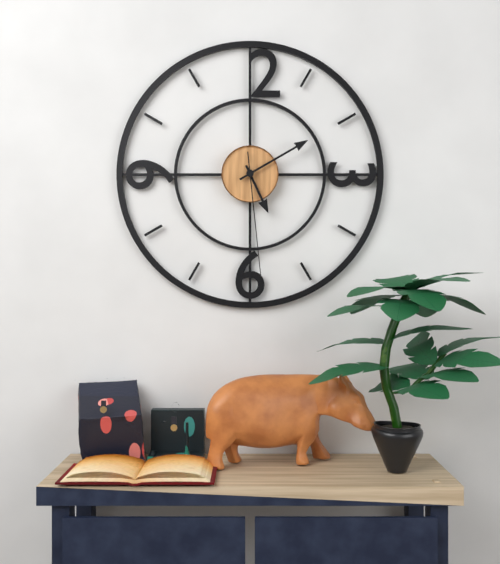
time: 5.10.29
